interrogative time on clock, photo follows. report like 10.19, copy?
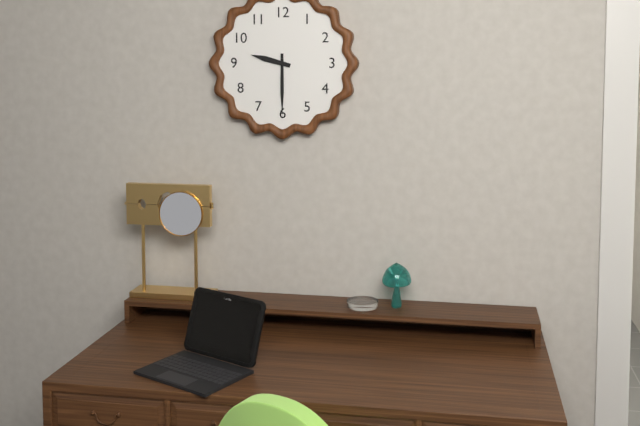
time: 9.30
